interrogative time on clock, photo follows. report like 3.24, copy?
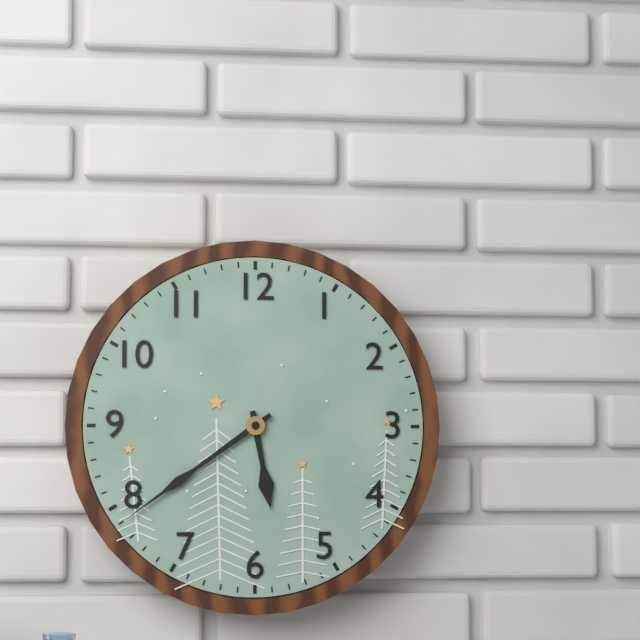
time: 5.39
